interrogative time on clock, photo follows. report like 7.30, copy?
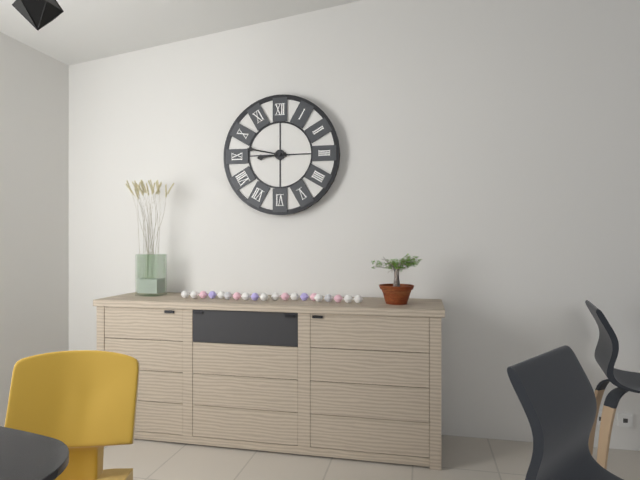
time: 8.47
